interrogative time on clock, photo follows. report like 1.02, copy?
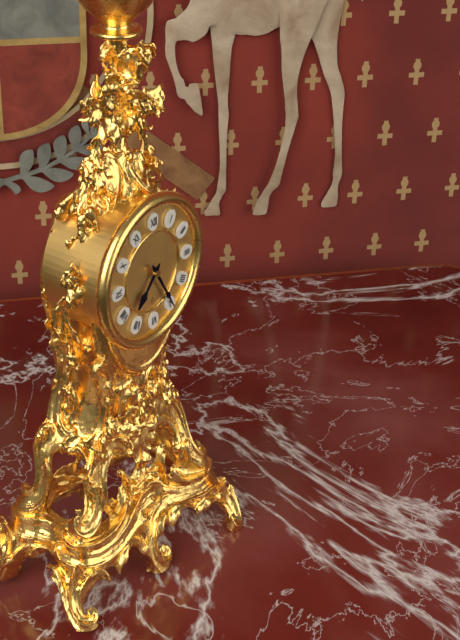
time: 7.25
